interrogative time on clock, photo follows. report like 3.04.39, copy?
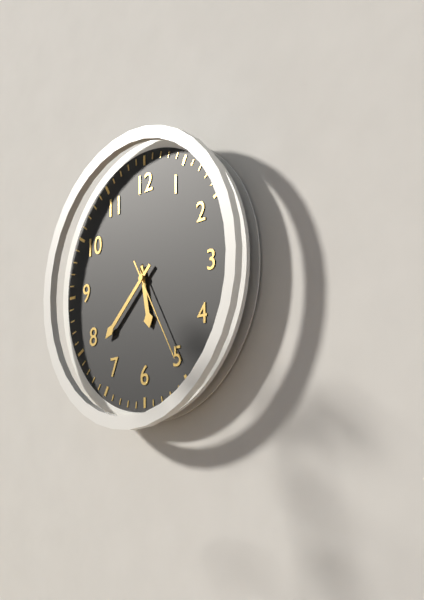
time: 5.38.25
